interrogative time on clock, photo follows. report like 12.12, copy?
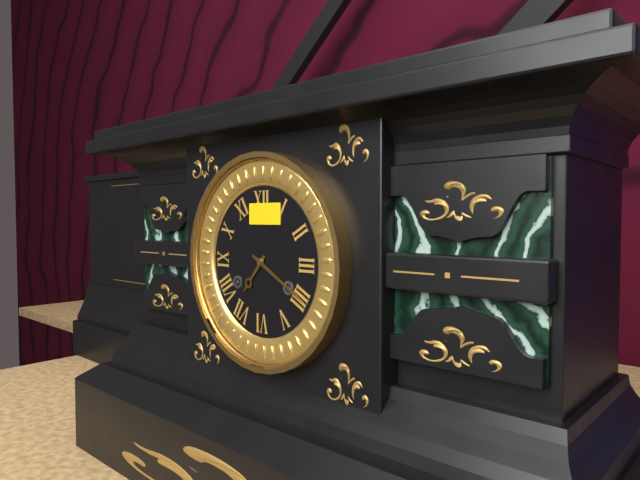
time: 7.20
